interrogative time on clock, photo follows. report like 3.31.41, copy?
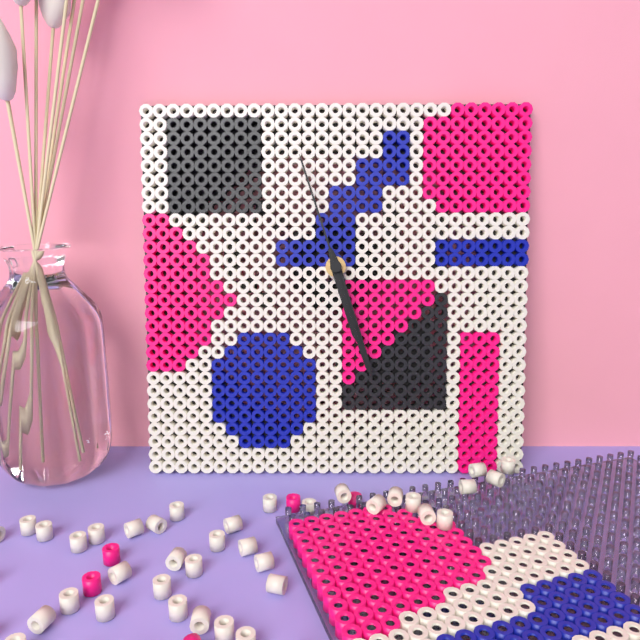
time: 5.27.57
